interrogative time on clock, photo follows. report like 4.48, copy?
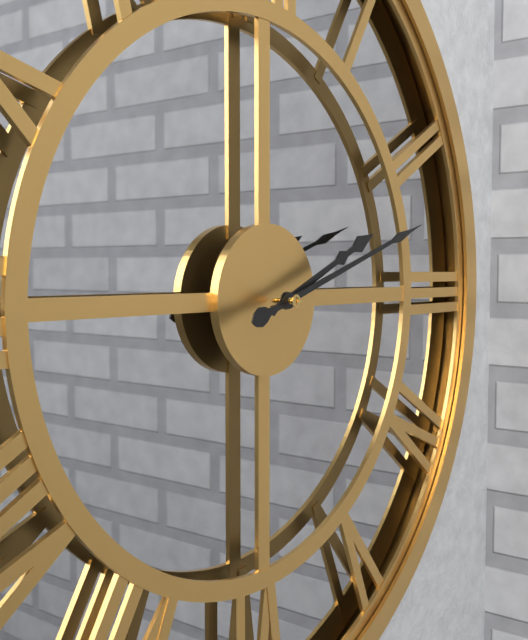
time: 2.12
